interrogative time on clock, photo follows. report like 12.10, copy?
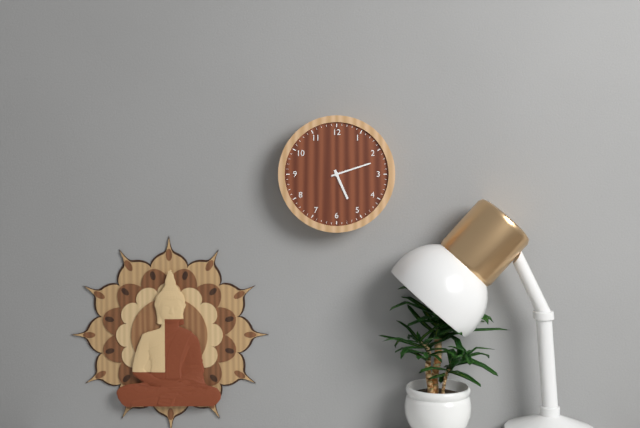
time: 5.12
